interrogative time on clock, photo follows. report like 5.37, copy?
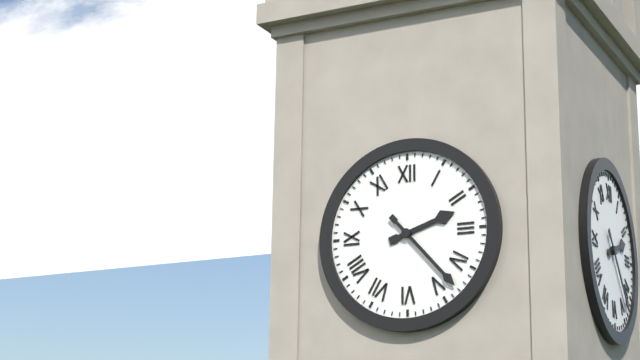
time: 2.23
